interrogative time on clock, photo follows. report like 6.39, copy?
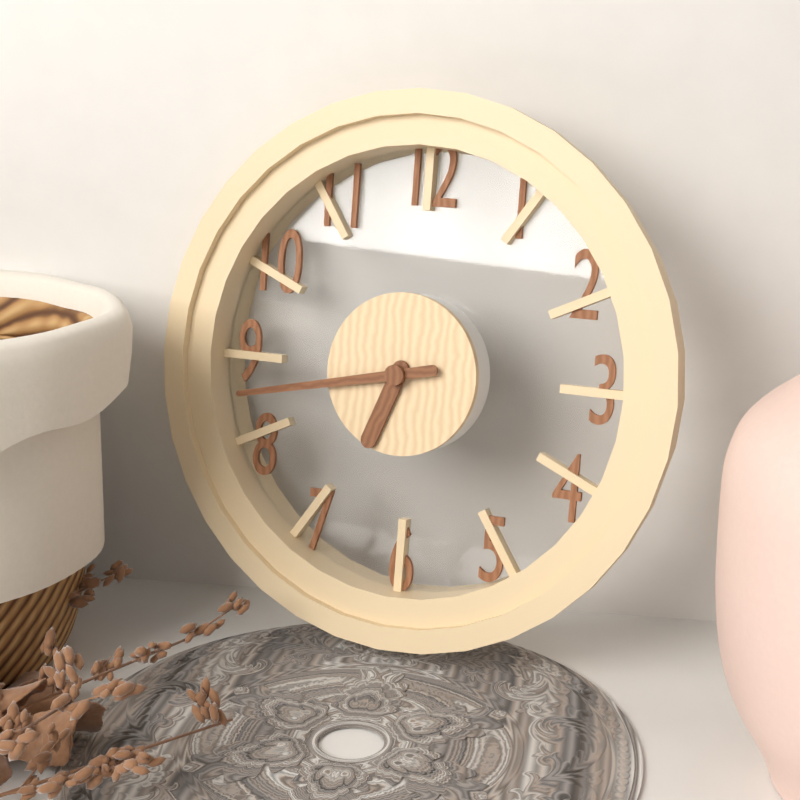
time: 6.43
